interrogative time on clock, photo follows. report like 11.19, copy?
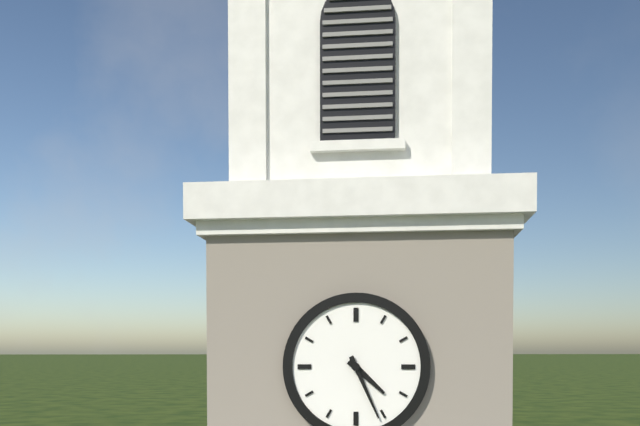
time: 4.26
